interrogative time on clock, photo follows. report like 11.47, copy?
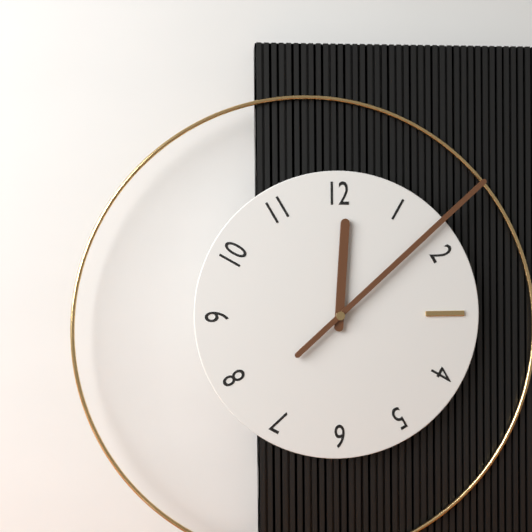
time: 12.08
